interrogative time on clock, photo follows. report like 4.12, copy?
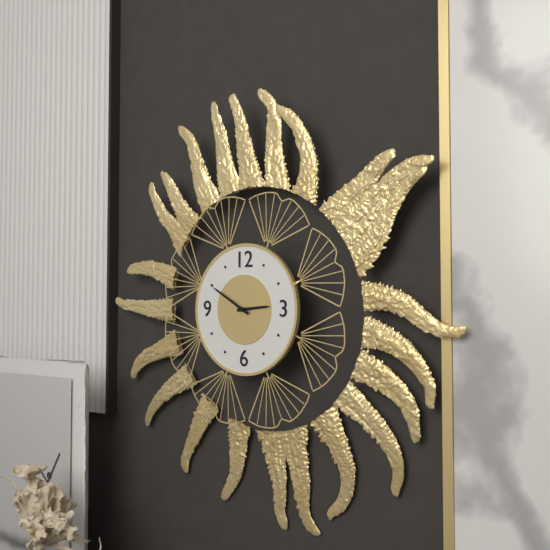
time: 2.50
